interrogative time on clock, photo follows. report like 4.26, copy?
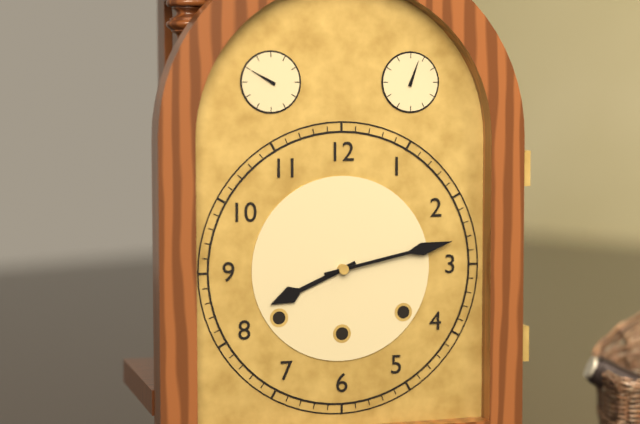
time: 8.13
